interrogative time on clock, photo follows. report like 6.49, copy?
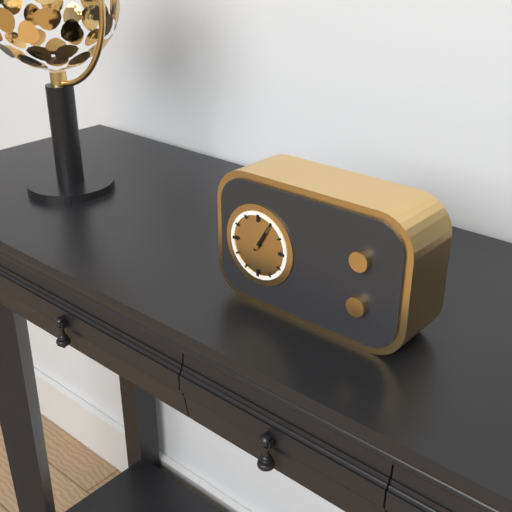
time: 1.05
